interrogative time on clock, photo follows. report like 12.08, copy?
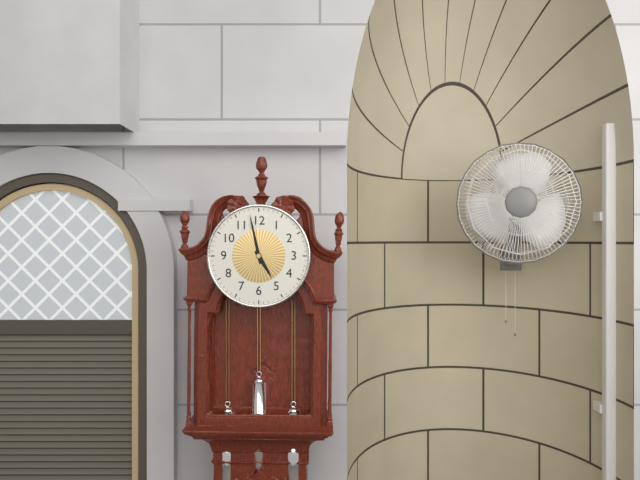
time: 4.58
